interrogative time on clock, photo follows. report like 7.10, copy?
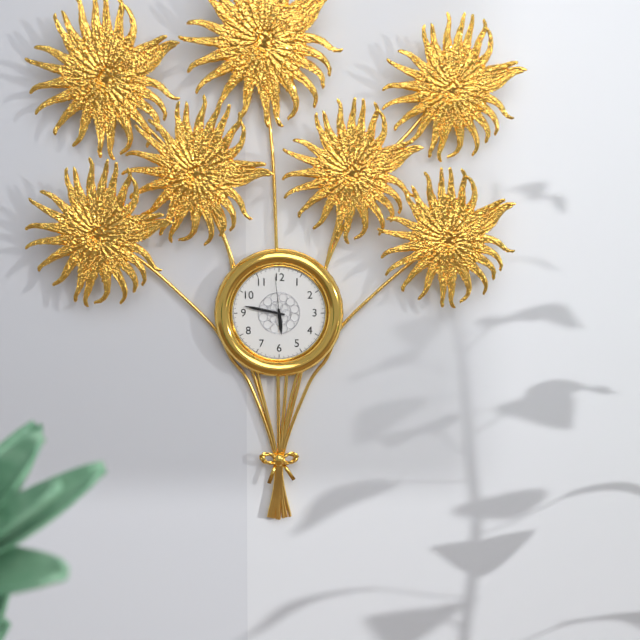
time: 5.47
